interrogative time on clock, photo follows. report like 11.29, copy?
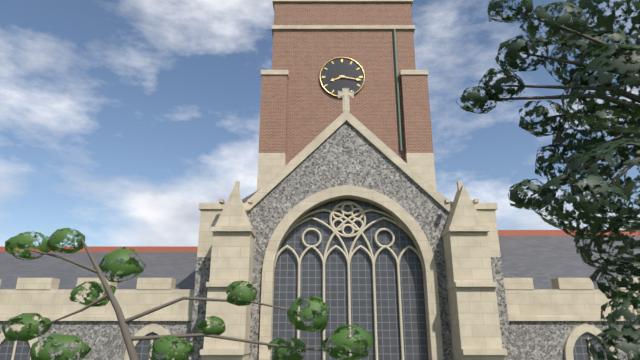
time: 8.17
